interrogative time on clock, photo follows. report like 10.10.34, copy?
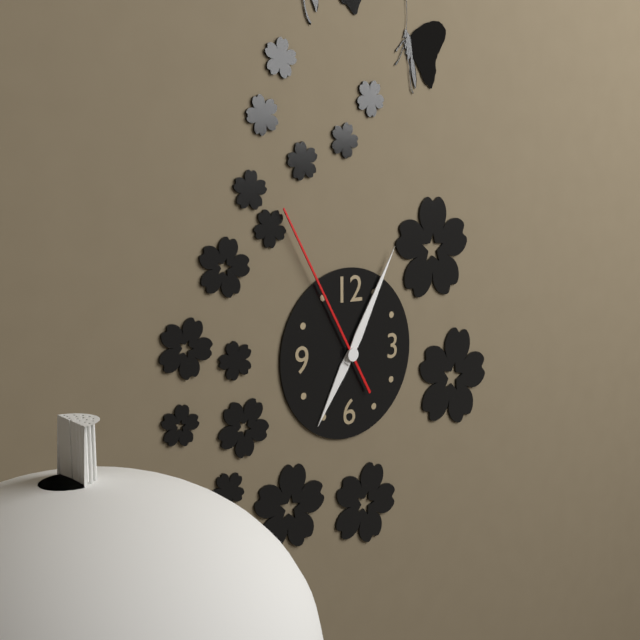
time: 7.05.55
